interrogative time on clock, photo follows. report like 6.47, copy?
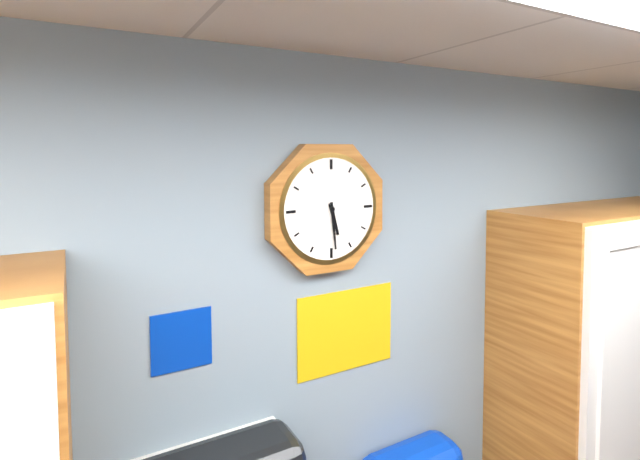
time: 5.29
